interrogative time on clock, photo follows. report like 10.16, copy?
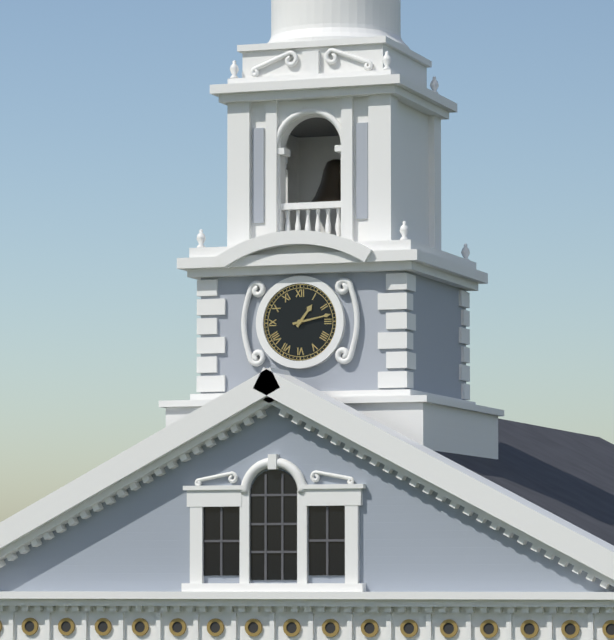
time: 1.13
